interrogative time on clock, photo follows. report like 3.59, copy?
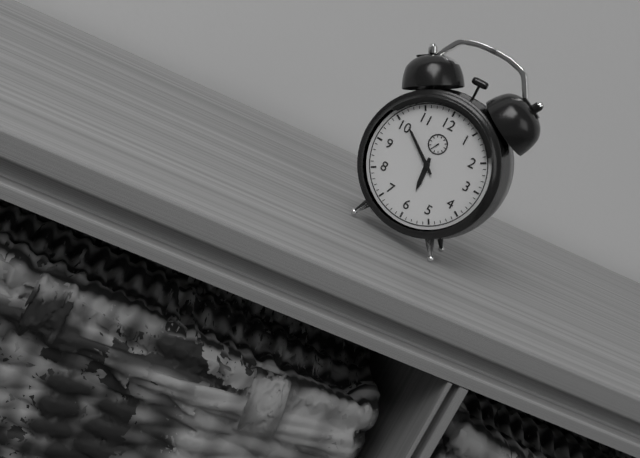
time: 5.51
